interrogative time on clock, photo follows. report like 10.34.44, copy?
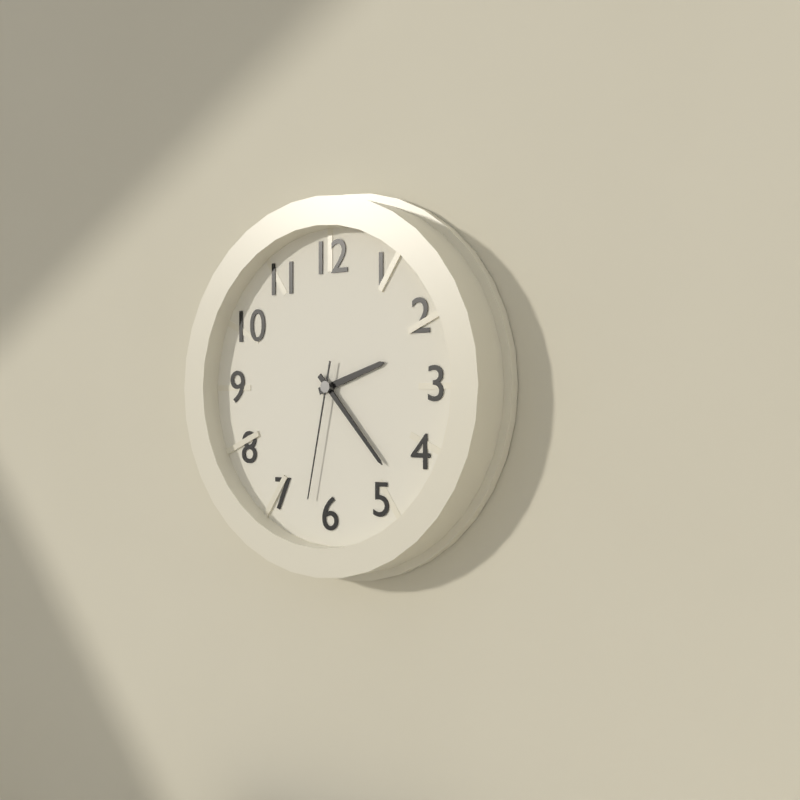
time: 2.23.32
